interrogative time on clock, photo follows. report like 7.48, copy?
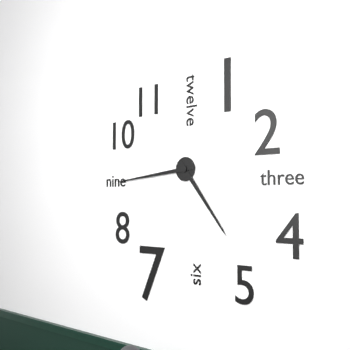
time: 4.44
